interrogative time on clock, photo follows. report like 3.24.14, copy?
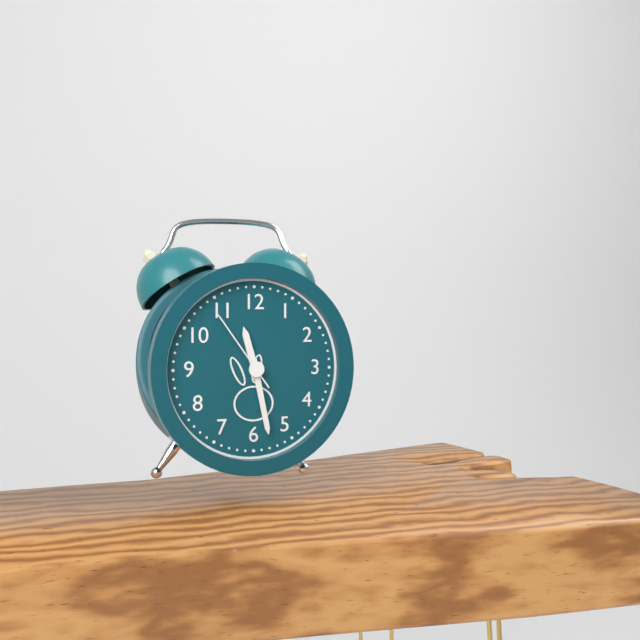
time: 11.28.54
